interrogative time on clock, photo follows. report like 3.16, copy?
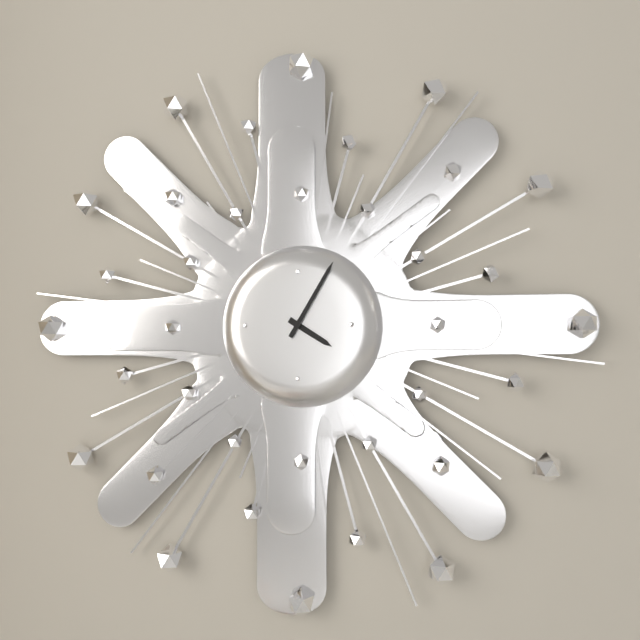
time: 4.05
